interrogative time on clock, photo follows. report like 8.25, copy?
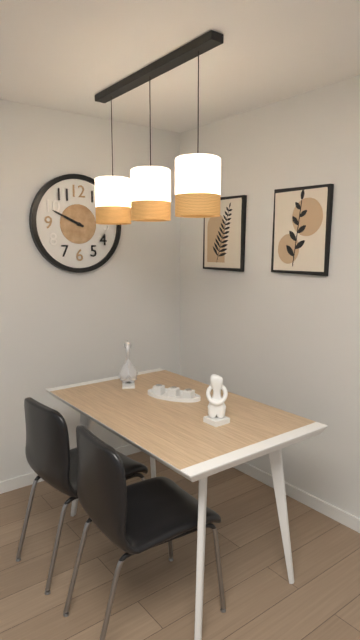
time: 9.49
